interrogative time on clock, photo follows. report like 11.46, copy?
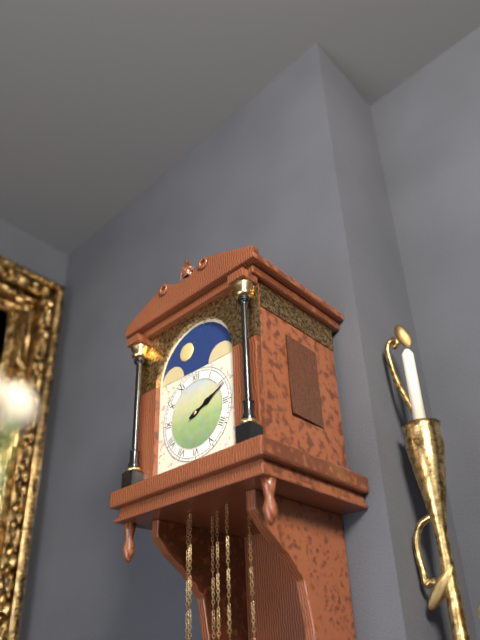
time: 2.11
